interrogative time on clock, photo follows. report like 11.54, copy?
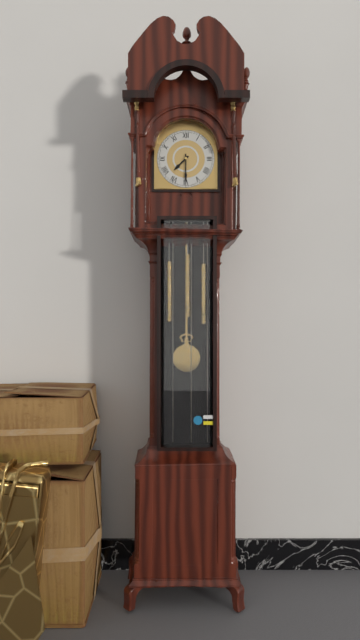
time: 7.30
